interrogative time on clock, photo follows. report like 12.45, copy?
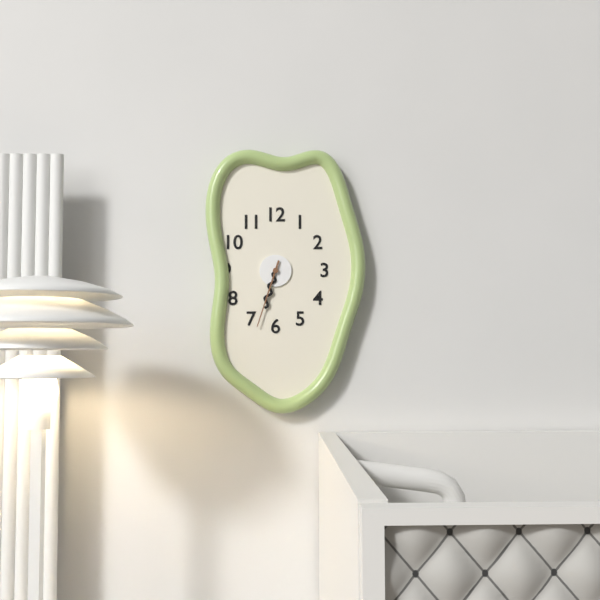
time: 6.33
